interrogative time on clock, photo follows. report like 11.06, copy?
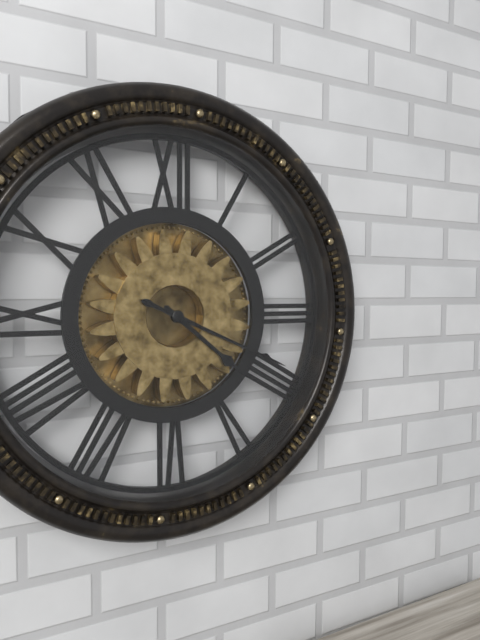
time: 4.19
